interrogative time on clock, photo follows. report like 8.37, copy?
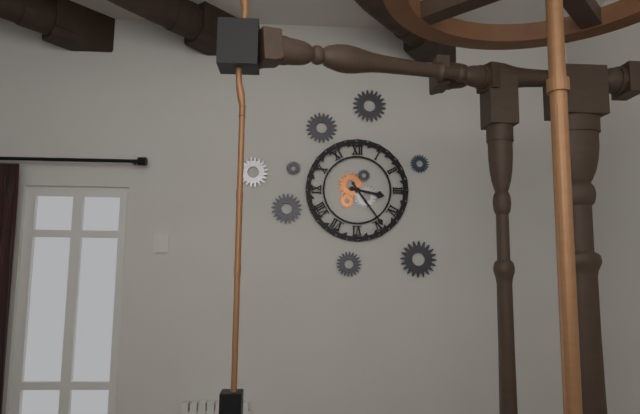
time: 3.24
